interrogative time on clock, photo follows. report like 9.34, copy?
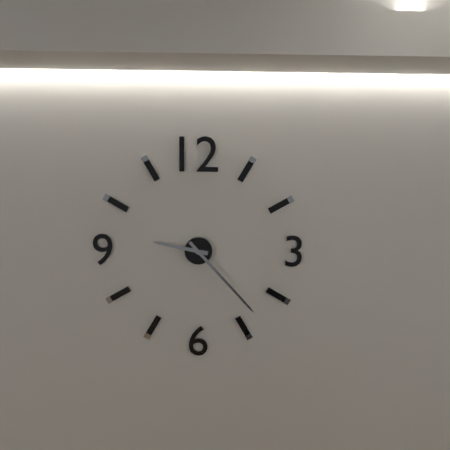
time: 9.23
